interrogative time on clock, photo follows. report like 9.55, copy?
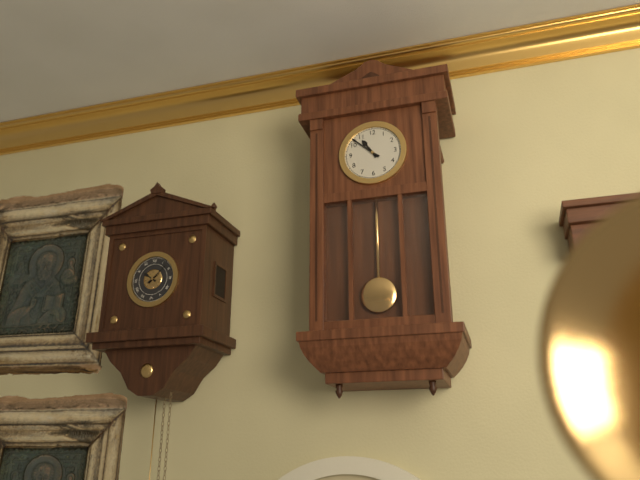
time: 10.52
